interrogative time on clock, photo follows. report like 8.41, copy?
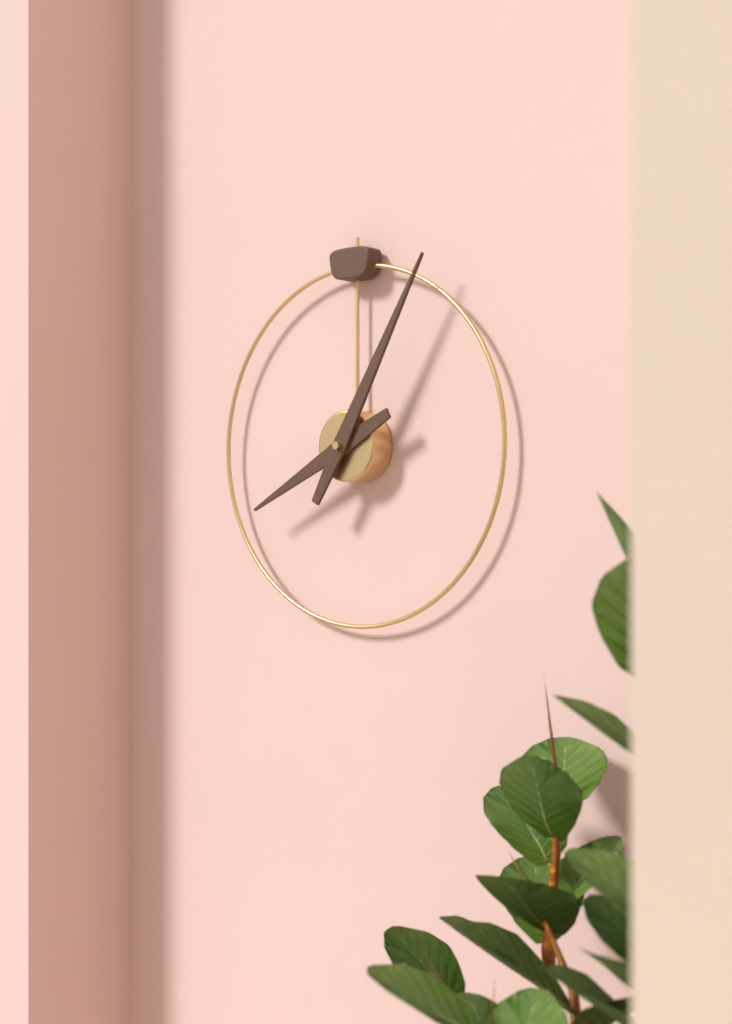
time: 8.05
